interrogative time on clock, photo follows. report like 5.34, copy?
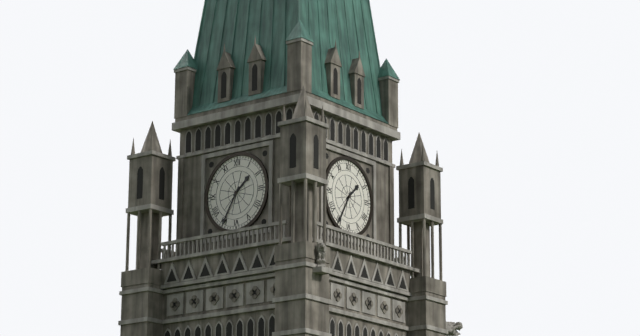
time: 1.35
